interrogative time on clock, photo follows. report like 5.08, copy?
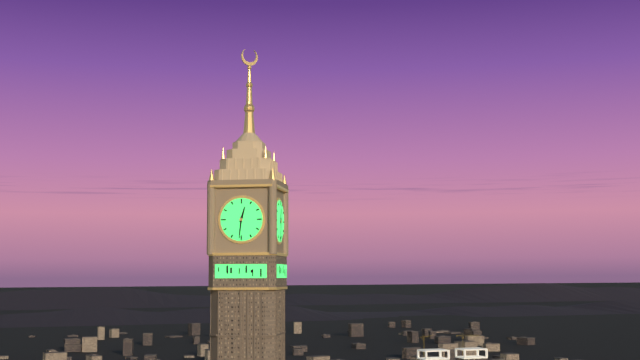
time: 12.31
